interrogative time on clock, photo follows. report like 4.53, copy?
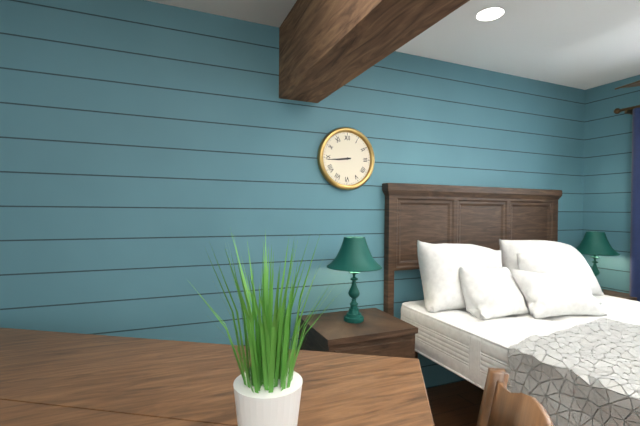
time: 8.44
